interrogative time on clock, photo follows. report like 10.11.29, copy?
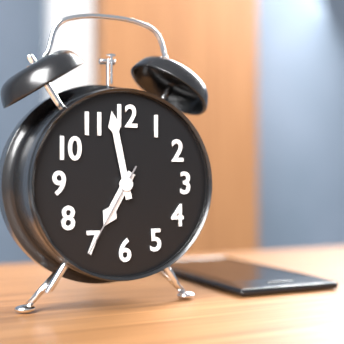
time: 6.58.35
